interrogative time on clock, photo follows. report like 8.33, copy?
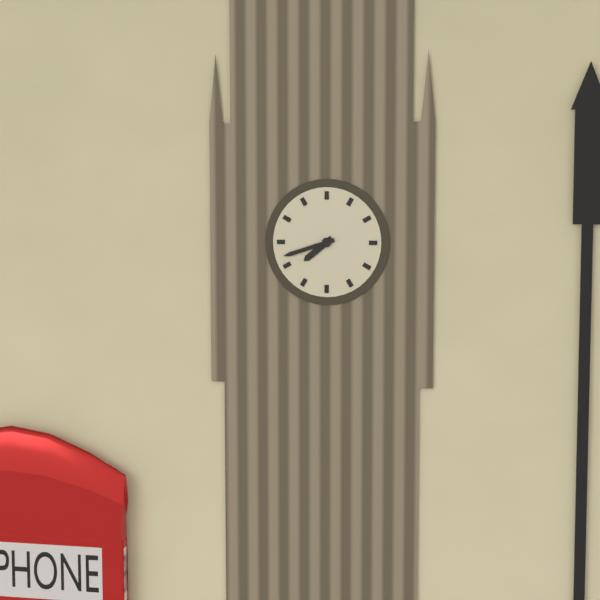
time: 7.42
